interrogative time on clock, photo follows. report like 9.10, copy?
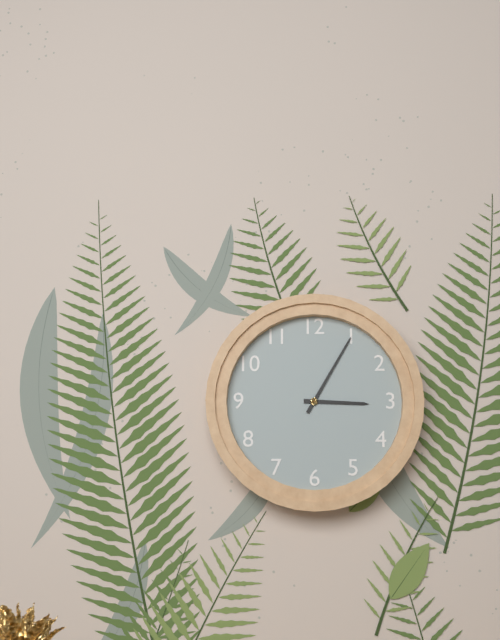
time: 3.05
